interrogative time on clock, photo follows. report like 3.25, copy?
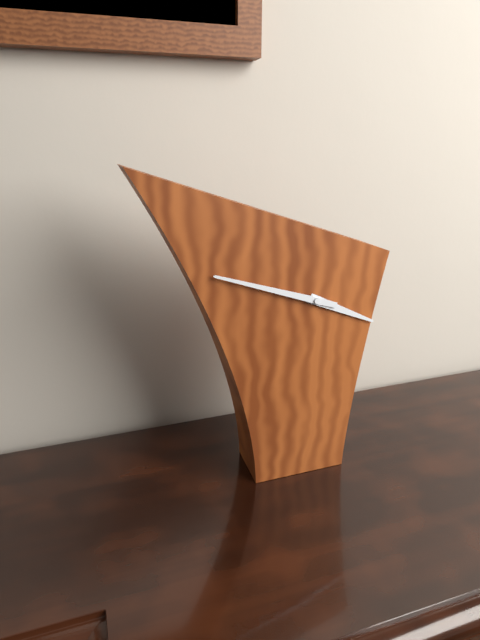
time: 3.48
